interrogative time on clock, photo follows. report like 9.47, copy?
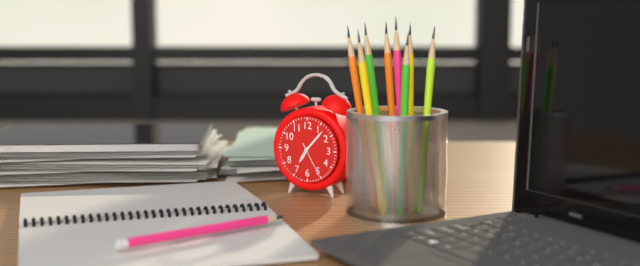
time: 7.07
